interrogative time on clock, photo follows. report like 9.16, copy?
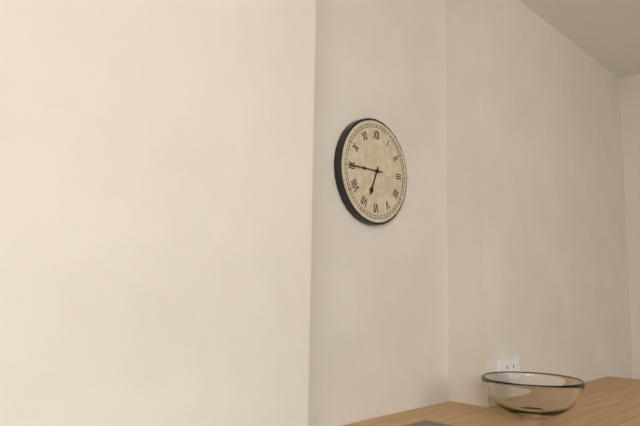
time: 6.45
